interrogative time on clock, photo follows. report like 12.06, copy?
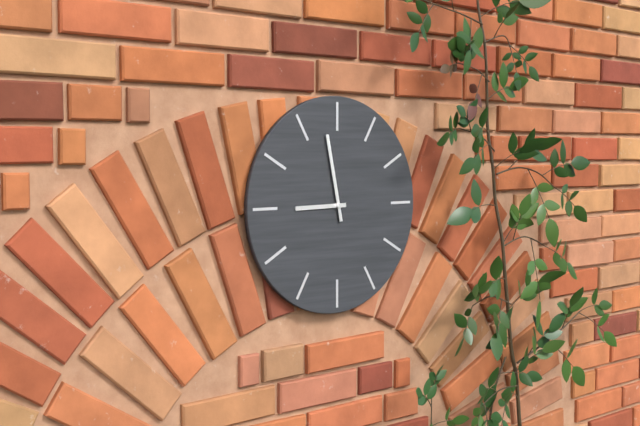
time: 8.58
